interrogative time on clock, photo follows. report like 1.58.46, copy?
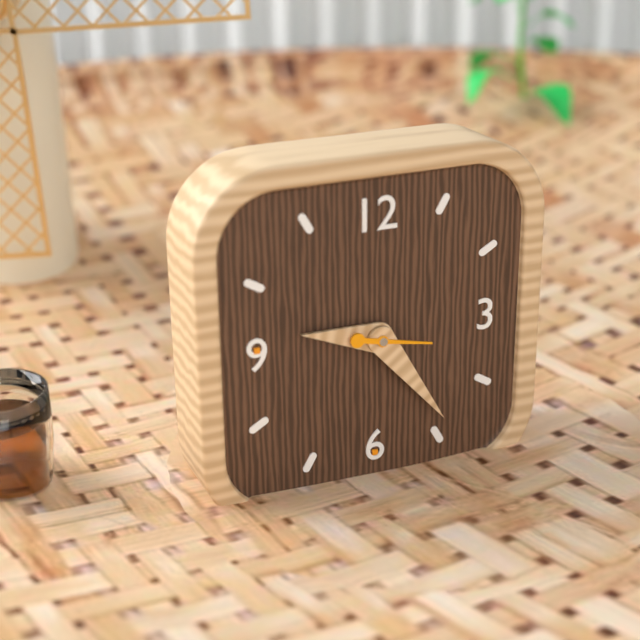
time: 9.24.17
